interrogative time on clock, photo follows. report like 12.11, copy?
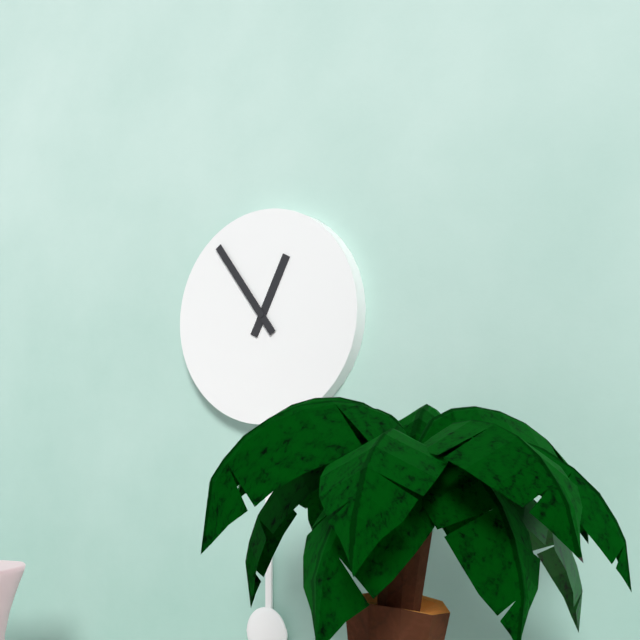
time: 12.54
